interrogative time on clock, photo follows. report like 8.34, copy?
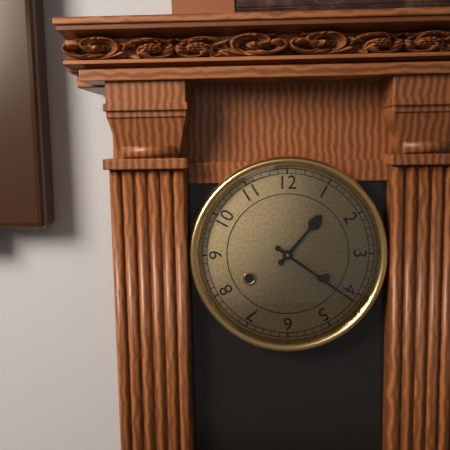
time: 1.21
